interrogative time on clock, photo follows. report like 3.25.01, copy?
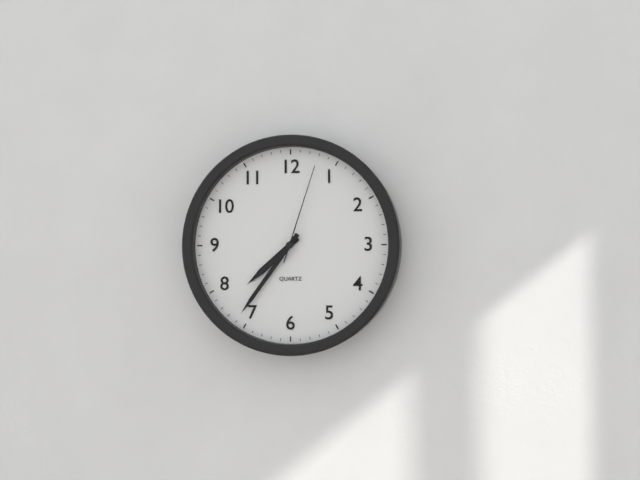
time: 7.36.03
